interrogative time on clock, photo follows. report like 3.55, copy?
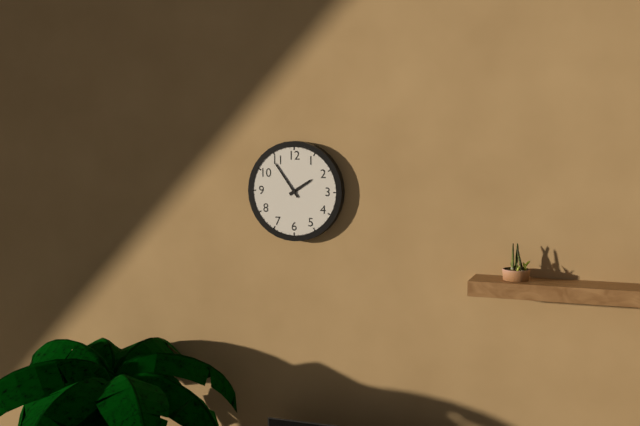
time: 1.54
